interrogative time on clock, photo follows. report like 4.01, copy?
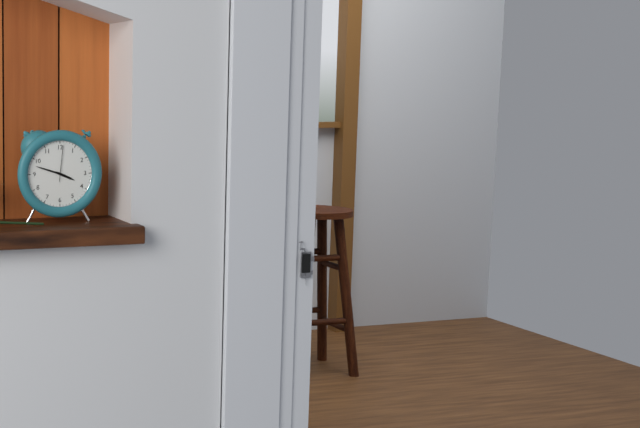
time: 3.48
